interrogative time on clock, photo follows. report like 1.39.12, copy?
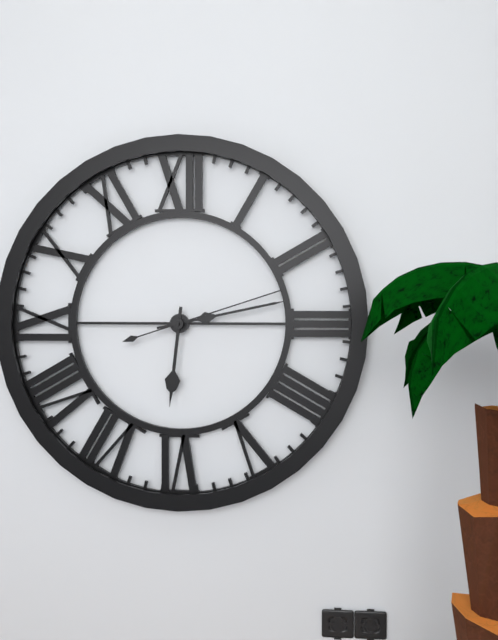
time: 6.13.12
